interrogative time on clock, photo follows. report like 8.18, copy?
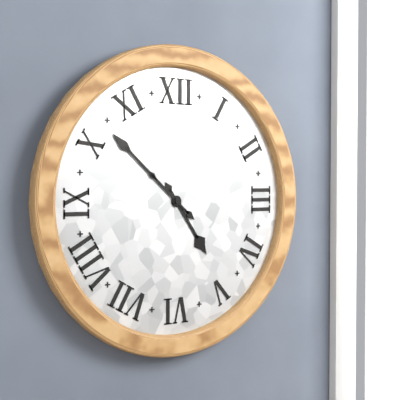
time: 4.52
